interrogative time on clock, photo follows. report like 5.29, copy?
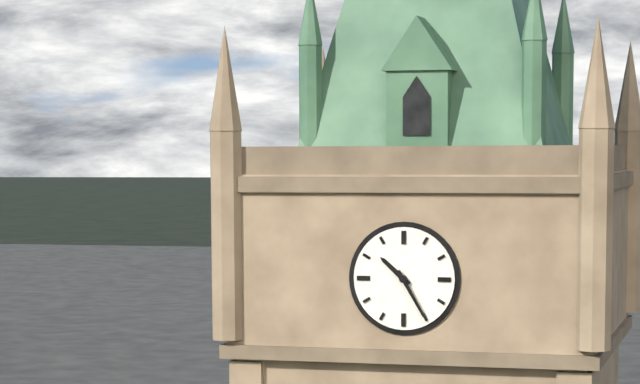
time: 10.25
